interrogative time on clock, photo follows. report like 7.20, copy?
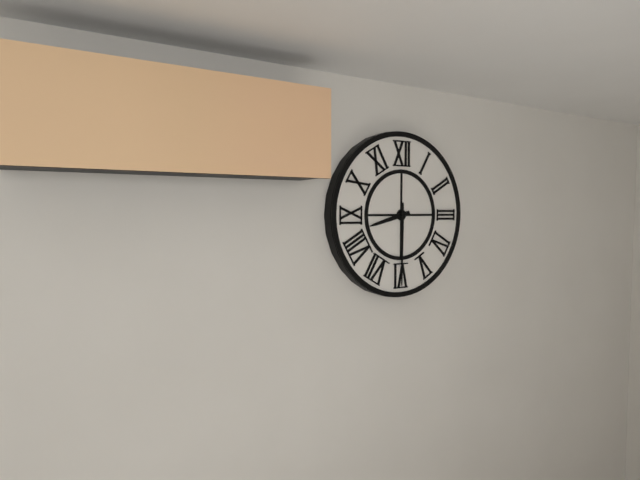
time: 8.30
